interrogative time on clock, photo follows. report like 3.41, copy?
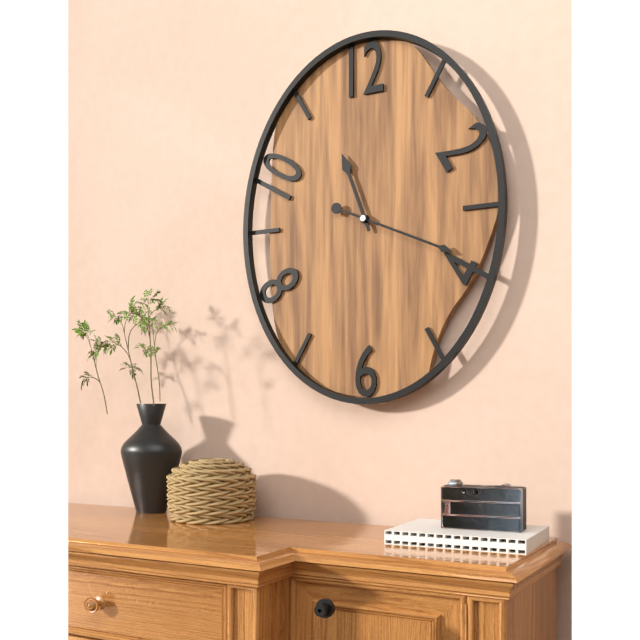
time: 11.19
